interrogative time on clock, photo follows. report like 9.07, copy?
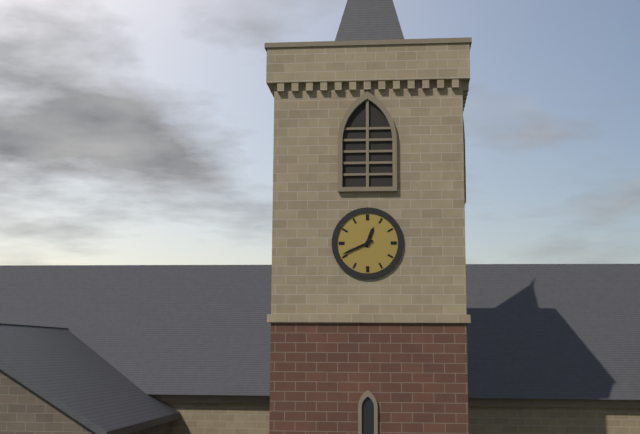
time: 12.41
